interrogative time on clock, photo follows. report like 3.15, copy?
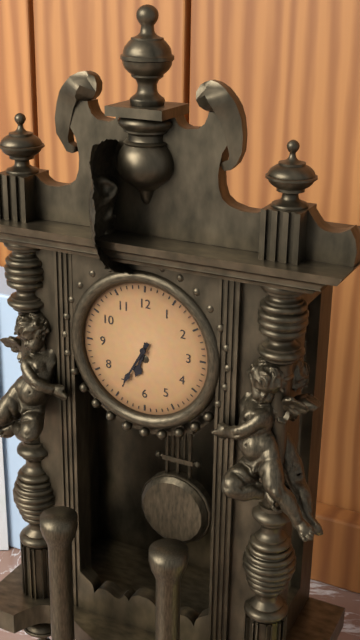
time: 6.35
